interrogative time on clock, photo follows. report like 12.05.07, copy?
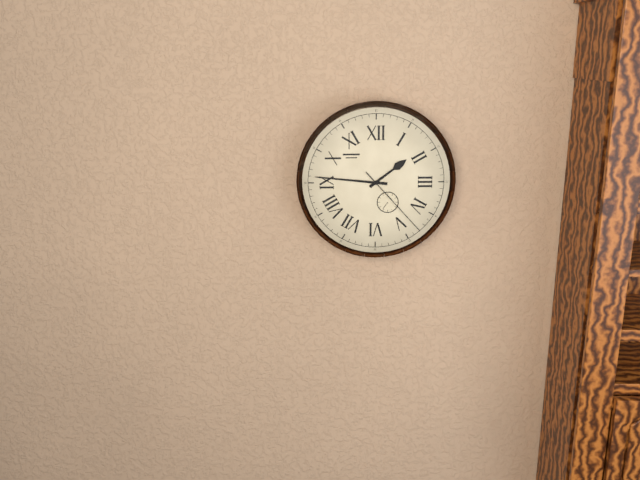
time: 1.46.23
